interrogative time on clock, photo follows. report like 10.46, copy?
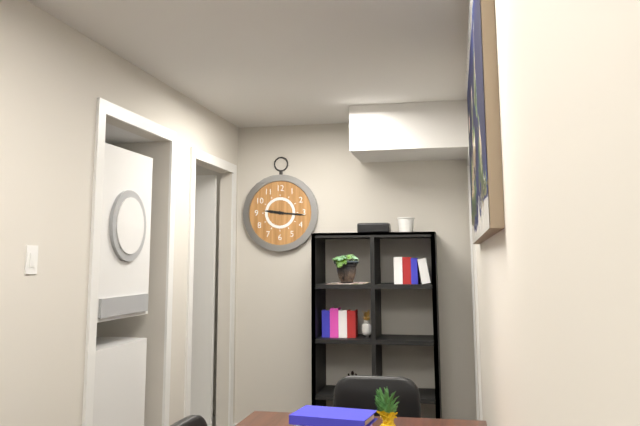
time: 9.16
